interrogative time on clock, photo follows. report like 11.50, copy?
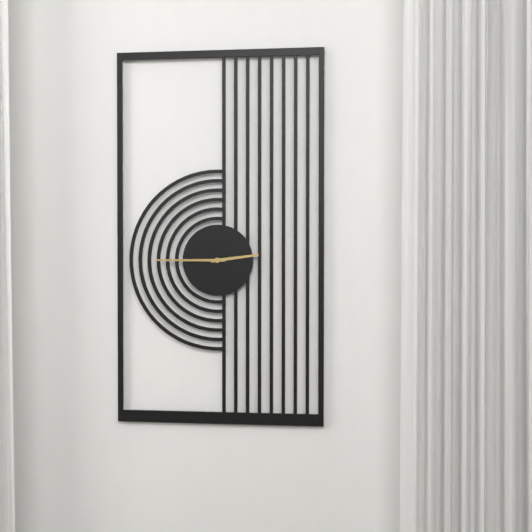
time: 2.45
